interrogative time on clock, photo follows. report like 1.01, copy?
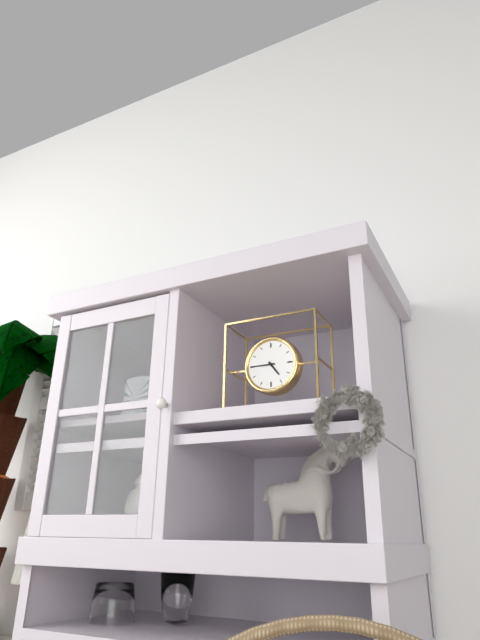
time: 4.45
